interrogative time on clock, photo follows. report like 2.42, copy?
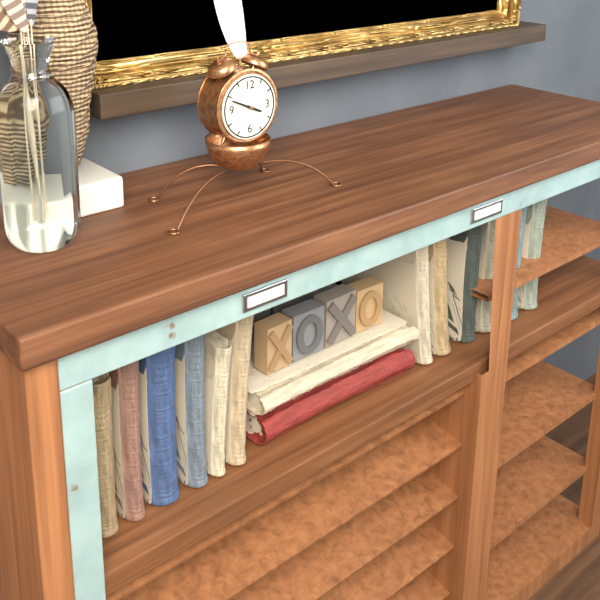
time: 3.49
